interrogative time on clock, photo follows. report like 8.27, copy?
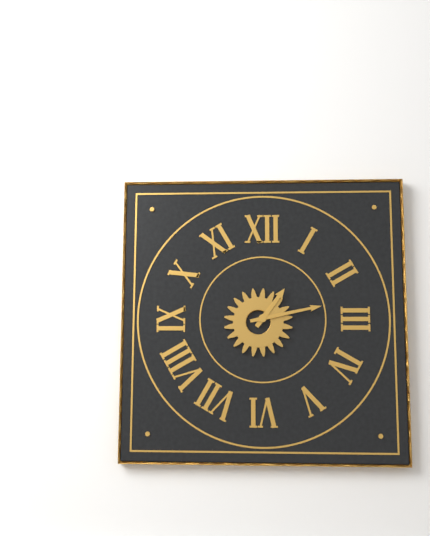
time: 1.13
